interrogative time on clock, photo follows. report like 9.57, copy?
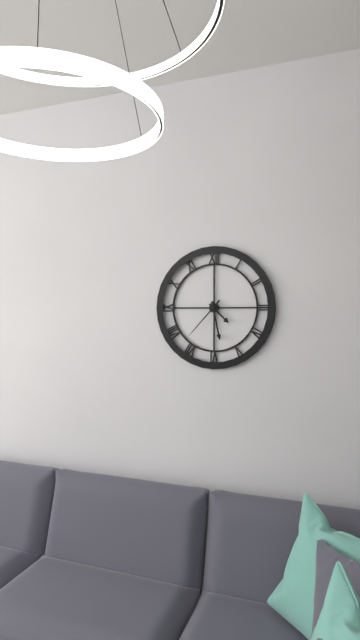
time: 4.28
